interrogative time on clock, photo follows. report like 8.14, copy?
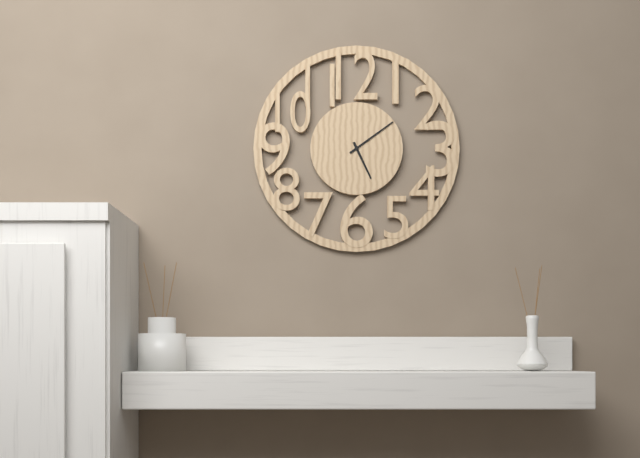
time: 5.09
